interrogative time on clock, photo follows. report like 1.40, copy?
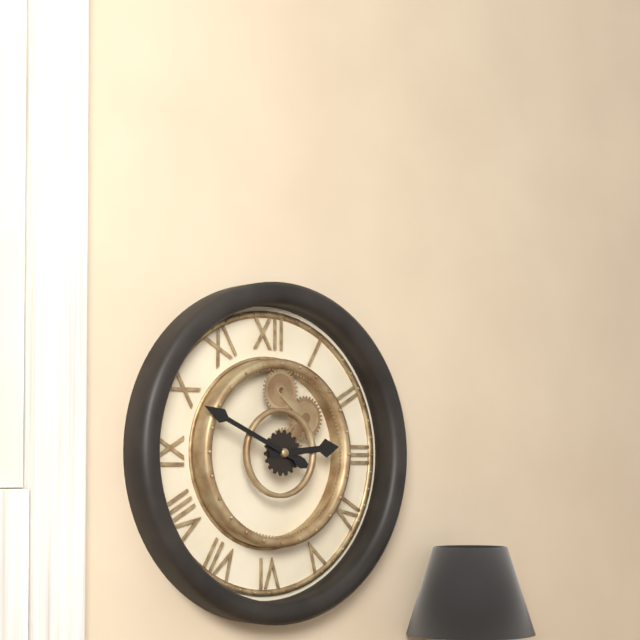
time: 2.49
